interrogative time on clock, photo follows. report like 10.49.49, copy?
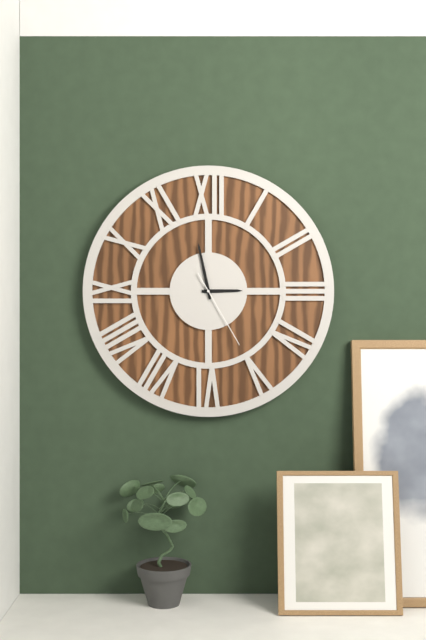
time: 2.58.25
